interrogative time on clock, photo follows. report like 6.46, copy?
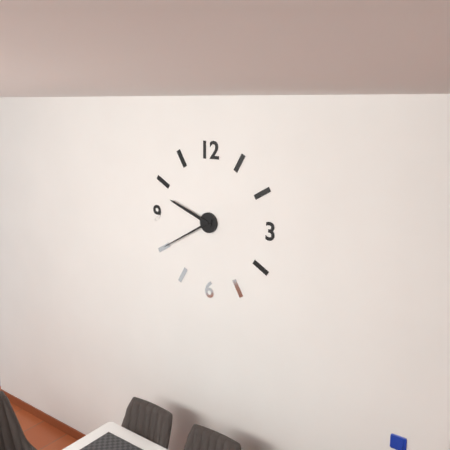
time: 9.40
